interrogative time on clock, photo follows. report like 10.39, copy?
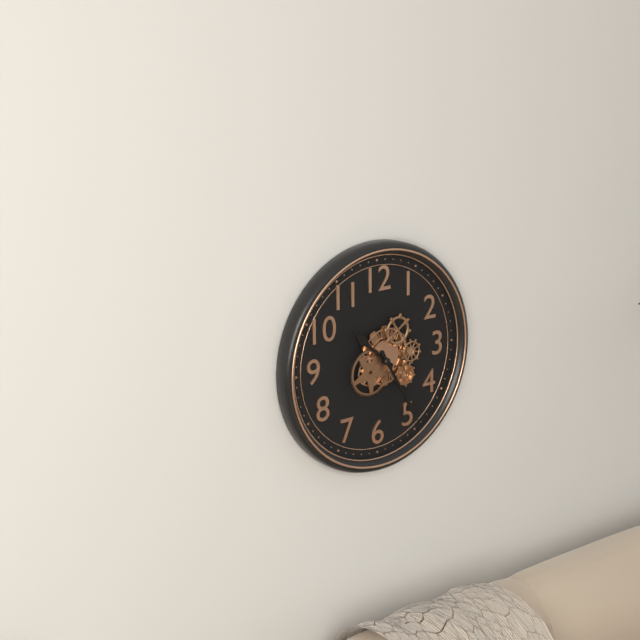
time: 10.25
